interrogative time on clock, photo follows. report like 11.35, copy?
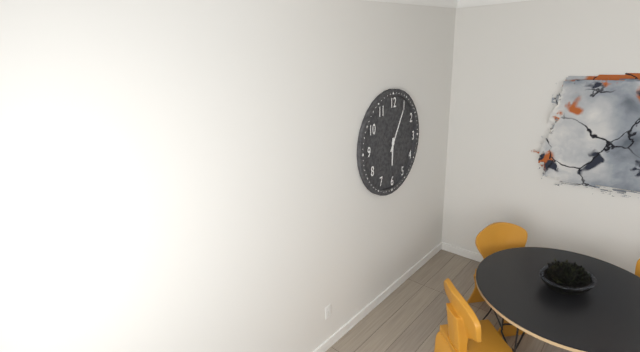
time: 6.05
